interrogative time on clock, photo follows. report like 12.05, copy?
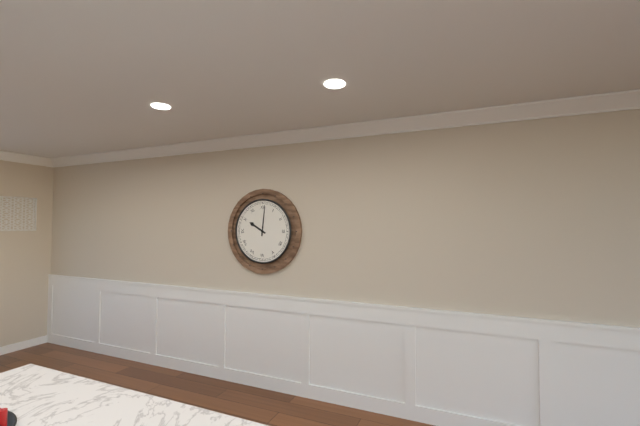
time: 10.01
